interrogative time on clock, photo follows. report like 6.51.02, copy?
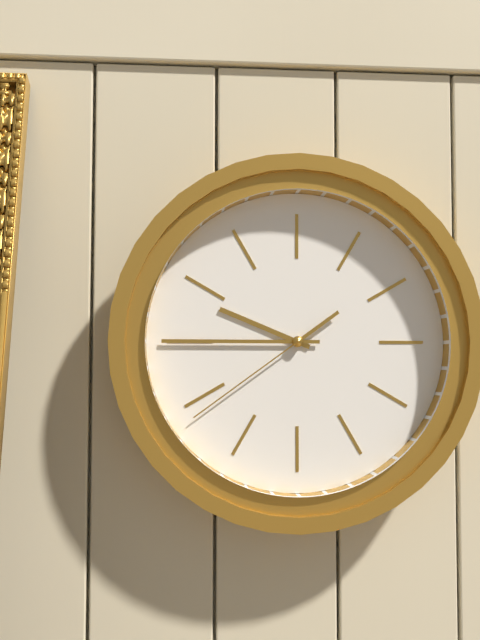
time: 9.45.39
